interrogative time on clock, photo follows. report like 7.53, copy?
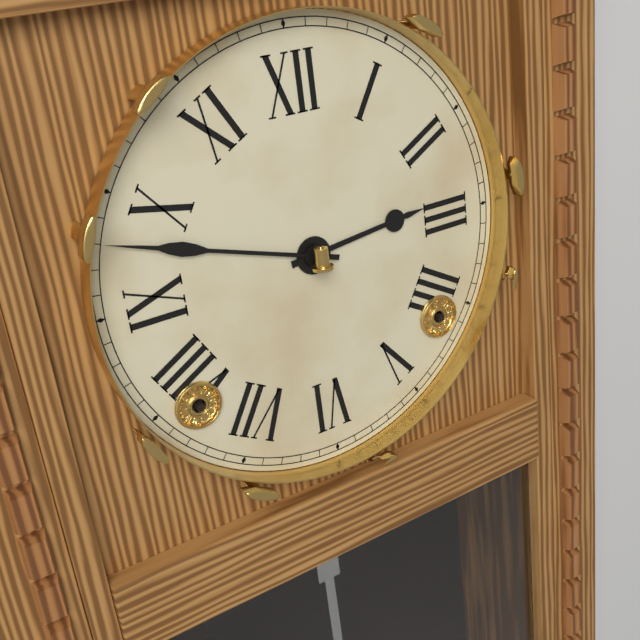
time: 2.48
